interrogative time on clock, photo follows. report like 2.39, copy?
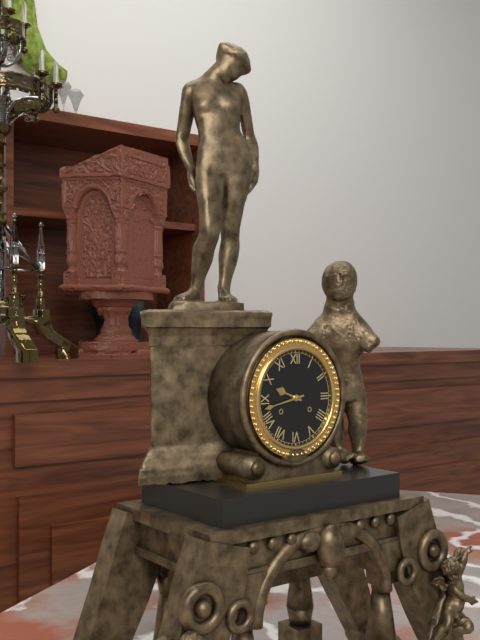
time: 9.43
